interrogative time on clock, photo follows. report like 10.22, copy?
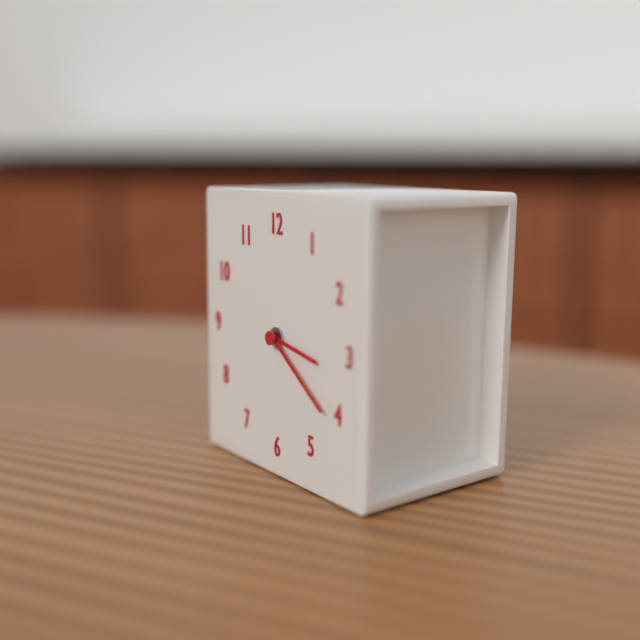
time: 3.21
